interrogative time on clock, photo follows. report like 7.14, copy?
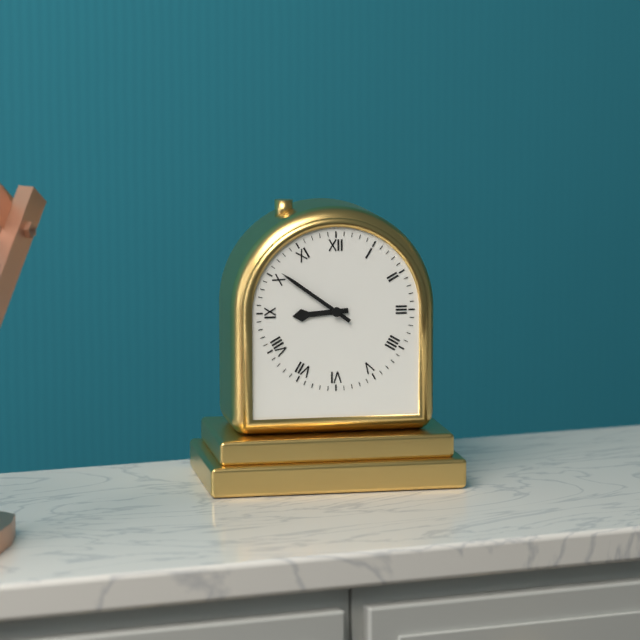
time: 8.51
